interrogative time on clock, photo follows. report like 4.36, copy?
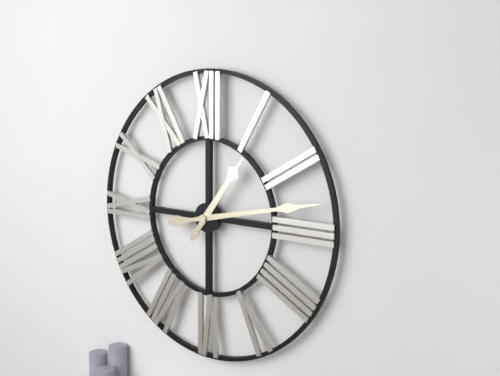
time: 1.13
